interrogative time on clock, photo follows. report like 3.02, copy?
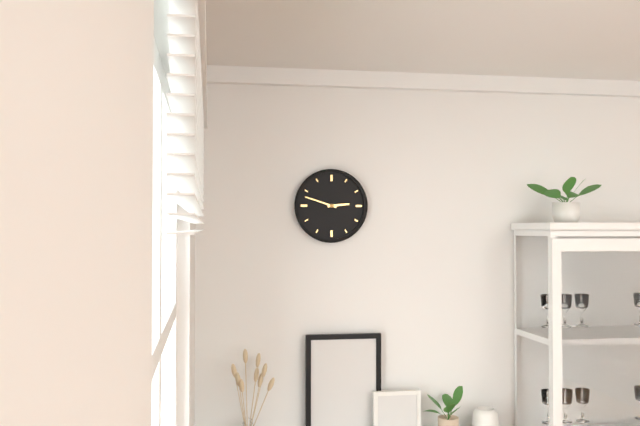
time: 2.48
